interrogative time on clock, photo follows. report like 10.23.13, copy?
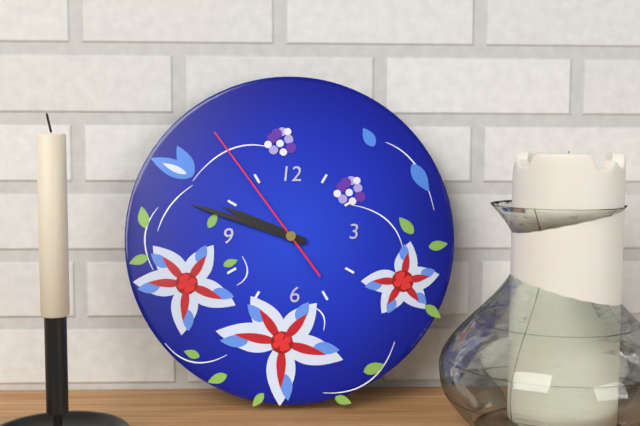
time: 9.48.54
